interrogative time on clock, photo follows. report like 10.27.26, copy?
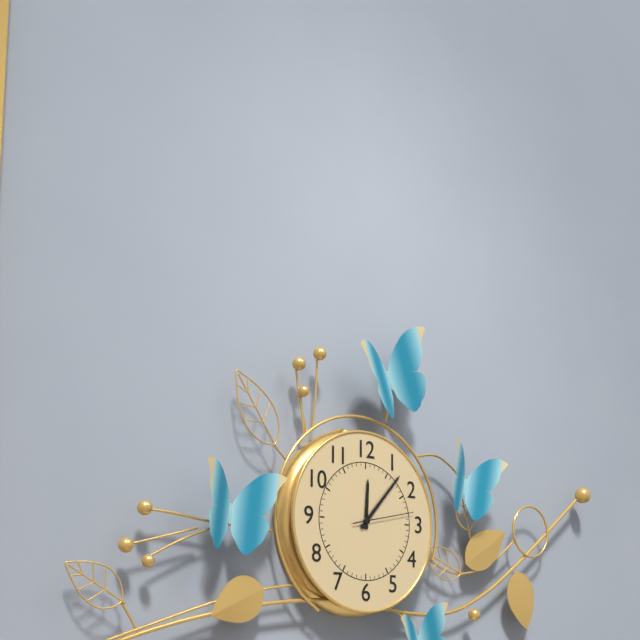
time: 12.07.13
